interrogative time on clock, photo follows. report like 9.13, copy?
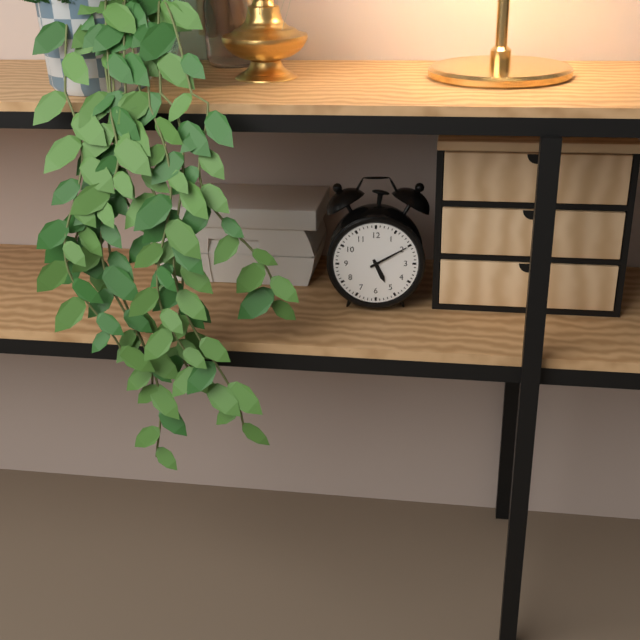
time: 5.10
